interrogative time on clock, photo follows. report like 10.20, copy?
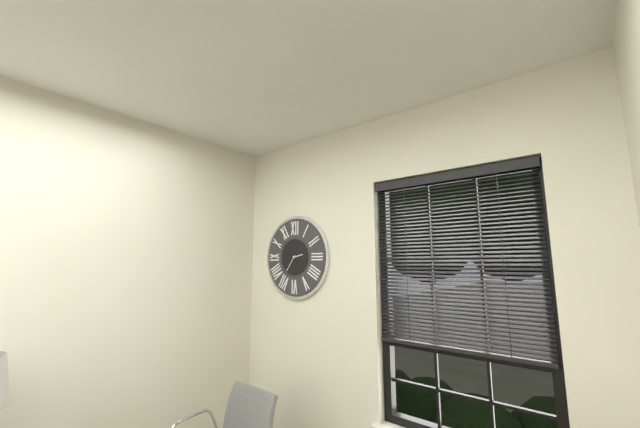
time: 2.36
